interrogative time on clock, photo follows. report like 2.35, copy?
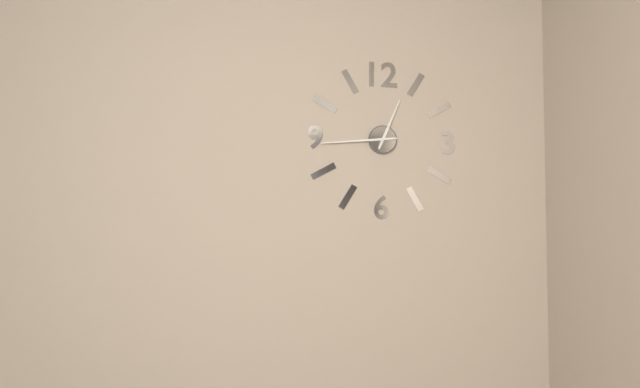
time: 12.44
